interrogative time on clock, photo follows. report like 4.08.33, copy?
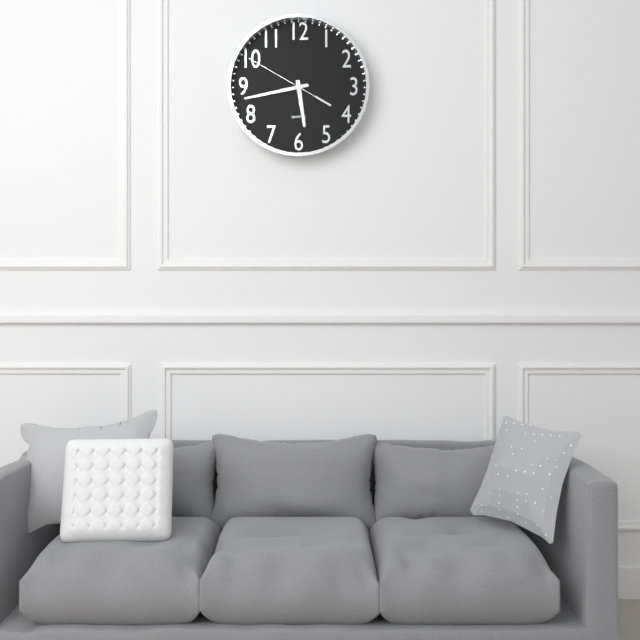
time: 5.43.50
